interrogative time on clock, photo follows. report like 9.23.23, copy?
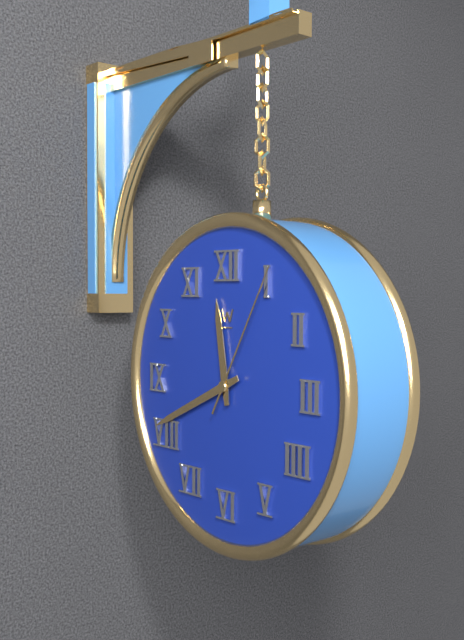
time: 11.41.05
